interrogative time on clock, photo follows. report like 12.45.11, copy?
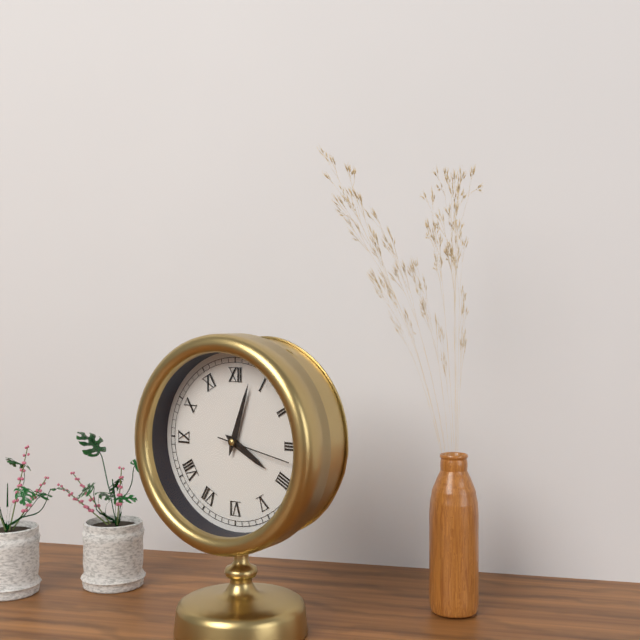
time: 4.03.17
